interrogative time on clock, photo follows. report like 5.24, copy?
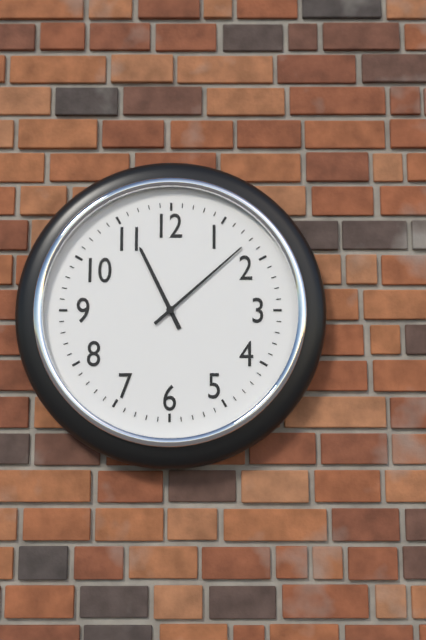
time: 11.08
